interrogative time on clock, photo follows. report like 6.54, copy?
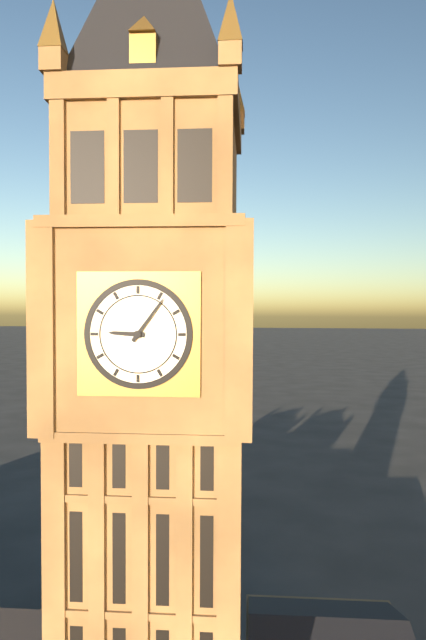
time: 9.06
